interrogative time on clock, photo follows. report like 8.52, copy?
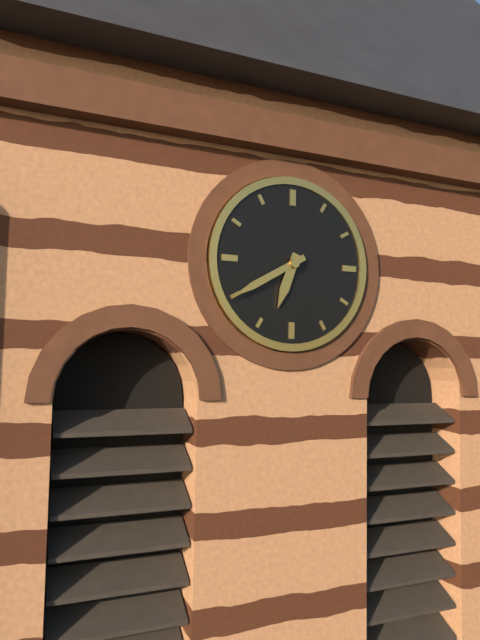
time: 6.40
